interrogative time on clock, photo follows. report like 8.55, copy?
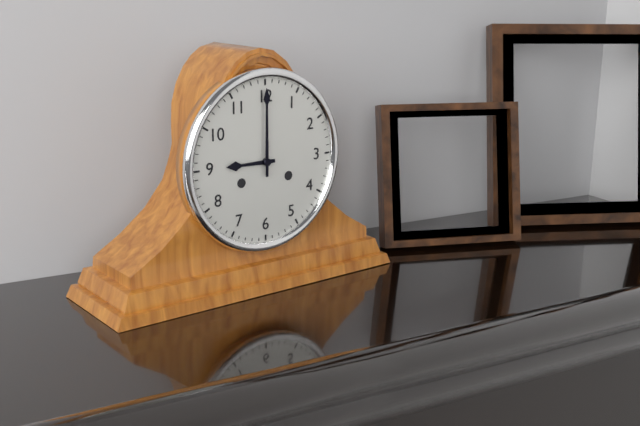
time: 9.00
